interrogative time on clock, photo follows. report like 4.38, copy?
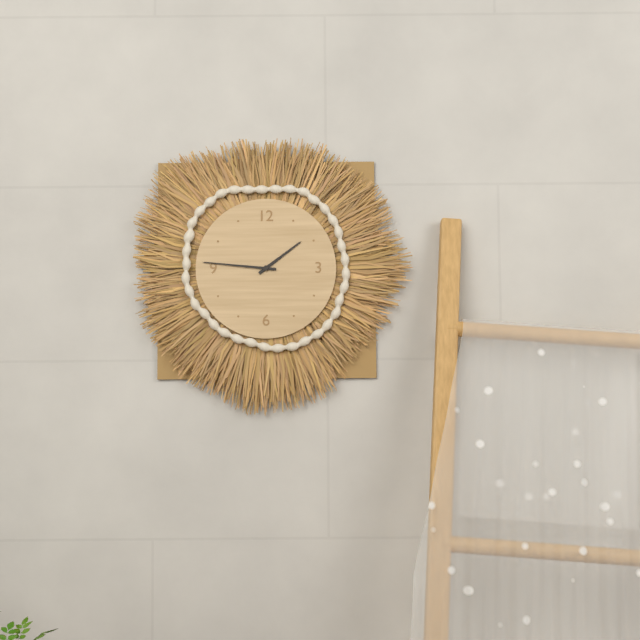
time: 1.46
